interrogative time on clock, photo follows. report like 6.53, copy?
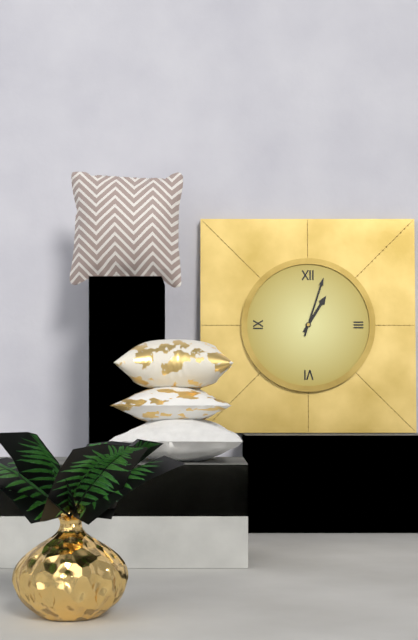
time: 1.03
